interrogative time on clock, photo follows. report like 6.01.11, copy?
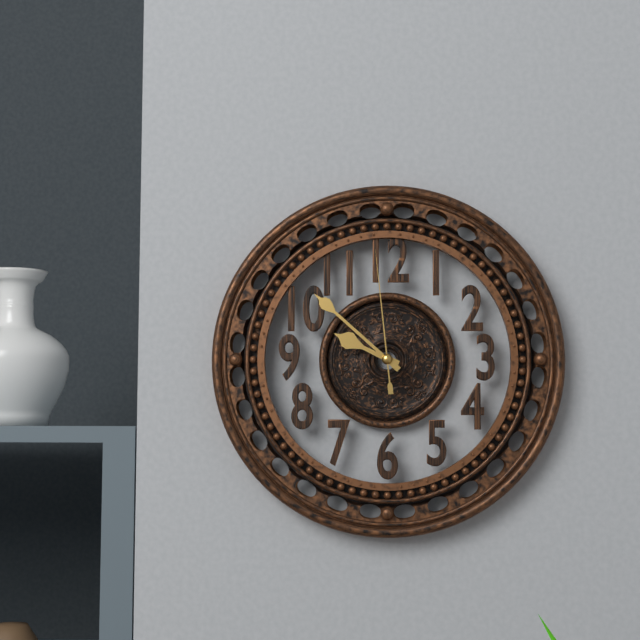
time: 9.52.59
